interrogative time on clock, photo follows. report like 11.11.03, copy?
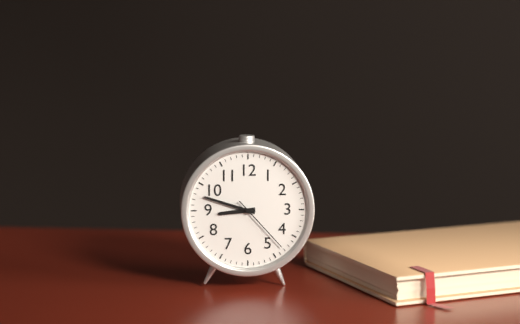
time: 8.48.23
